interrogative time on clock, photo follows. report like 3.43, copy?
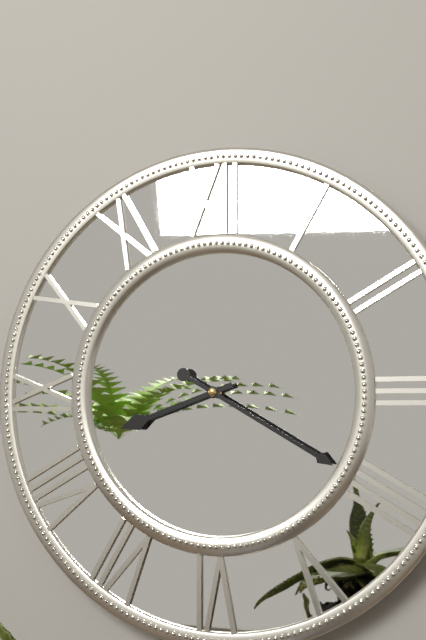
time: 8.20
